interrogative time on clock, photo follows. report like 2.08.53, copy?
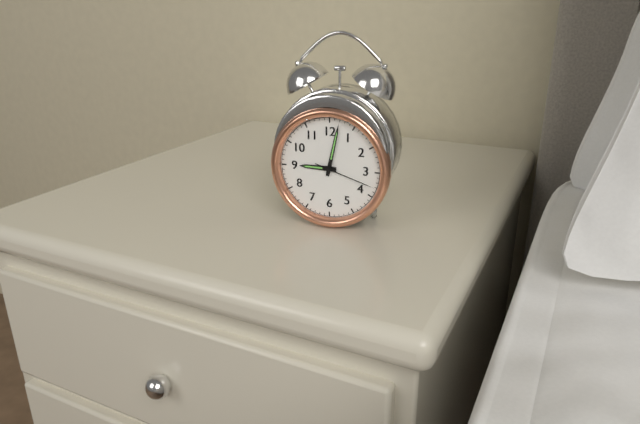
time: 9.02.18
